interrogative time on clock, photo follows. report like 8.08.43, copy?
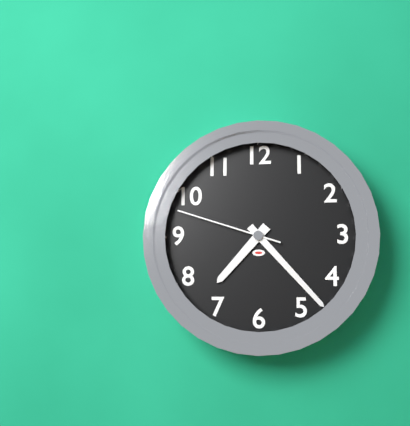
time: 7.23.48
